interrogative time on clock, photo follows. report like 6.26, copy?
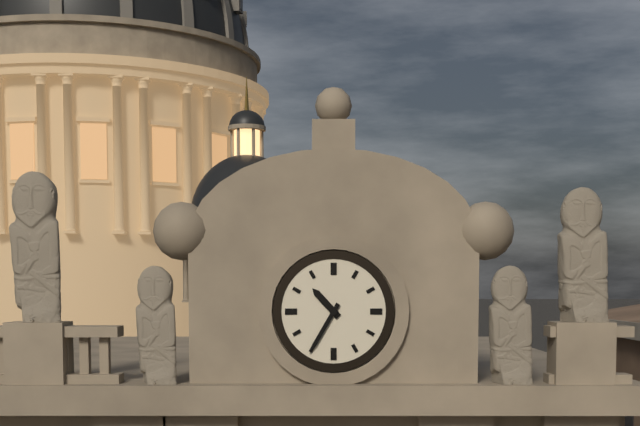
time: 10.35
